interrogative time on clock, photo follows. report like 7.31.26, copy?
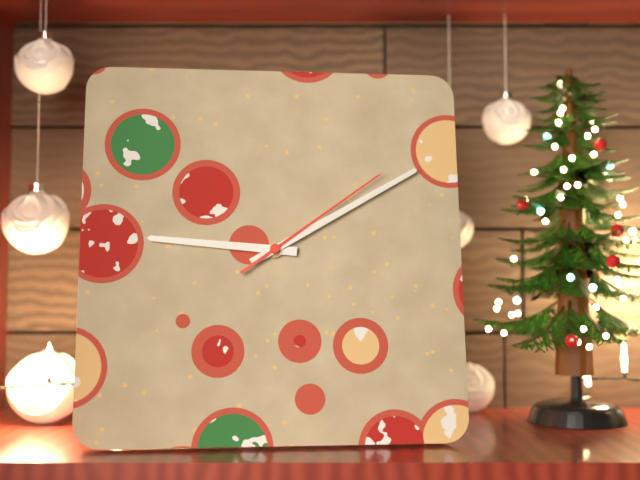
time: 9.10.09
